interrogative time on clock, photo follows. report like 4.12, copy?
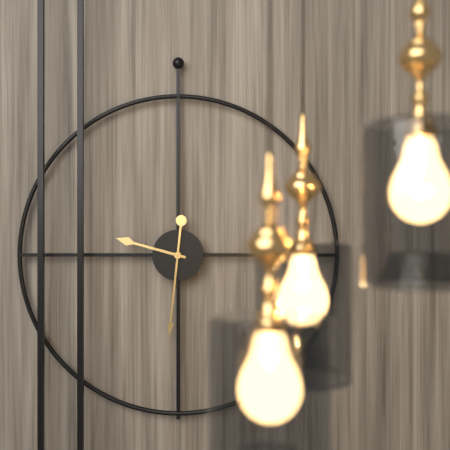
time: 9.31
